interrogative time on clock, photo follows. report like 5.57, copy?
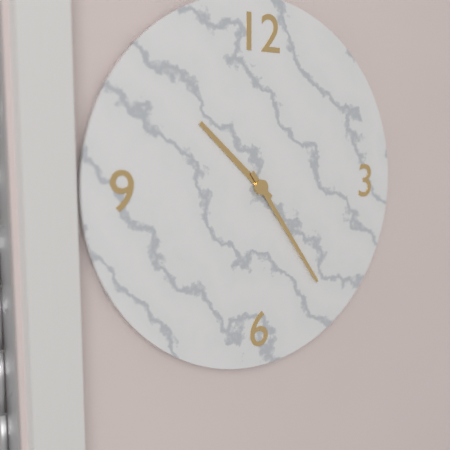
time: 10.24
